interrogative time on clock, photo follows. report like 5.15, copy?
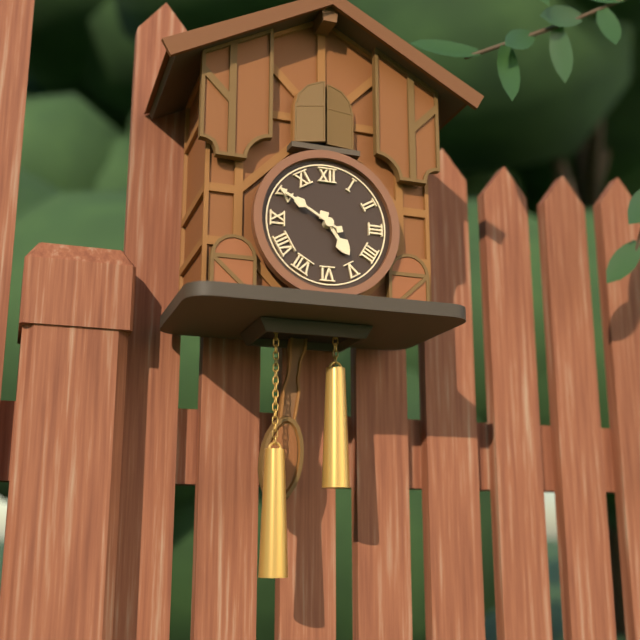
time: 4.50
